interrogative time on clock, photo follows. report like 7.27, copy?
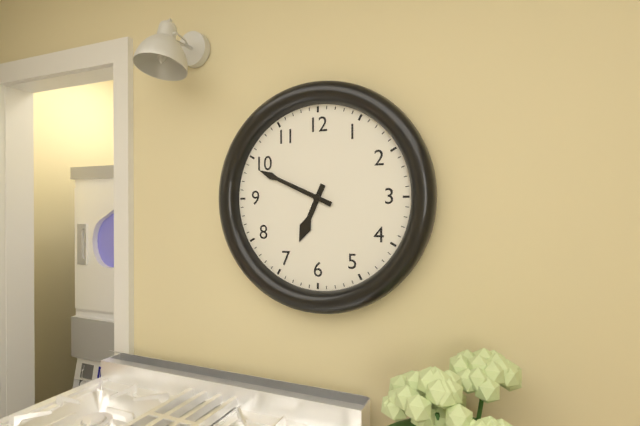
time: 6.49
